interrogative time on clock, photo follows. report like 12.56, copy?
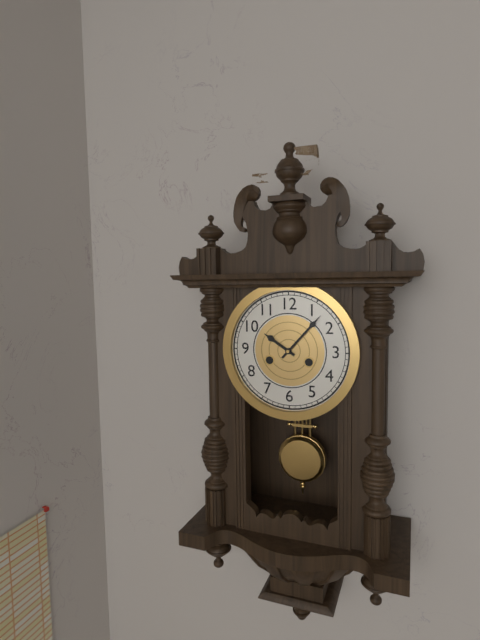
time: 10.07
